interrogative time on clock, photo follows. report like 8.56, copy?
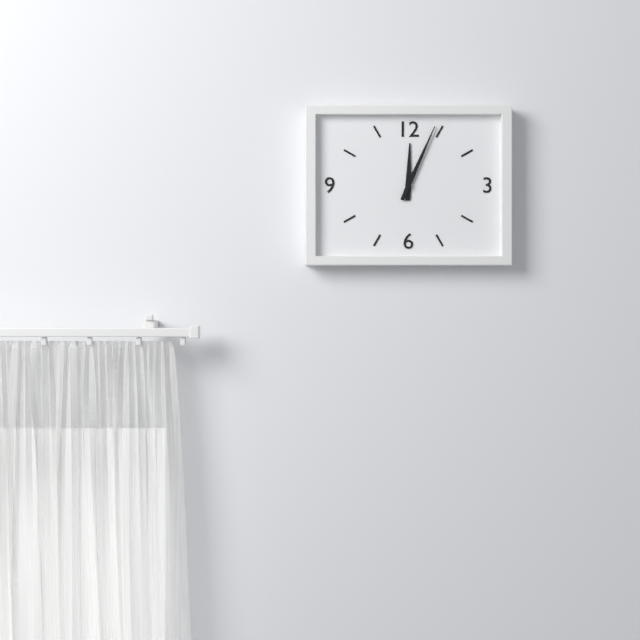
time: 12.04
